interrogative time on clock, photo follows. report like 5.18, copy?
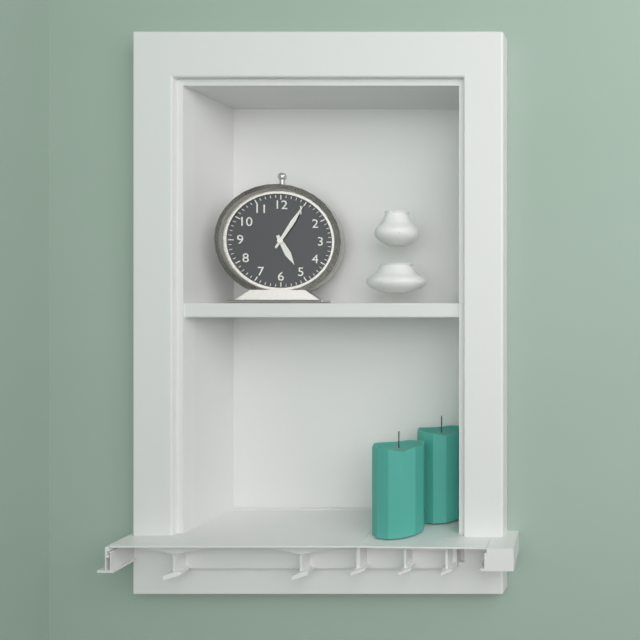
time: 5.05
